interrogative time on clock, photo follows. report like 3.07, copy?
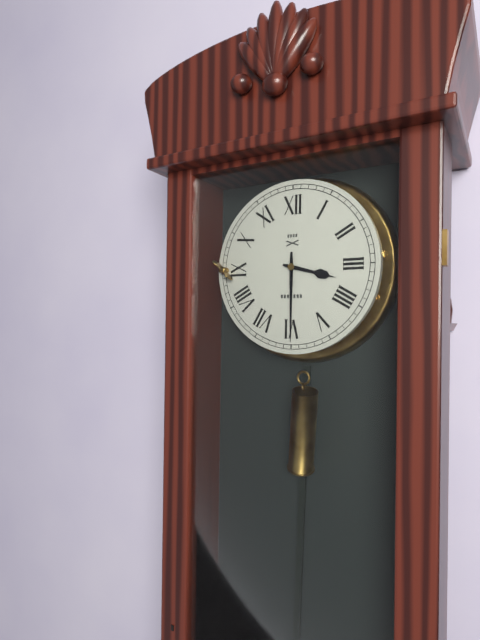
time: 3.30
